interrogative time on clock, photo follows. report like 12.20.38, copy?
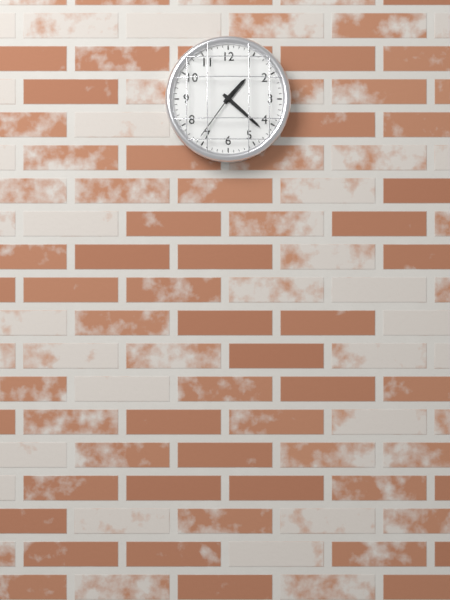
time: 1.22.36
